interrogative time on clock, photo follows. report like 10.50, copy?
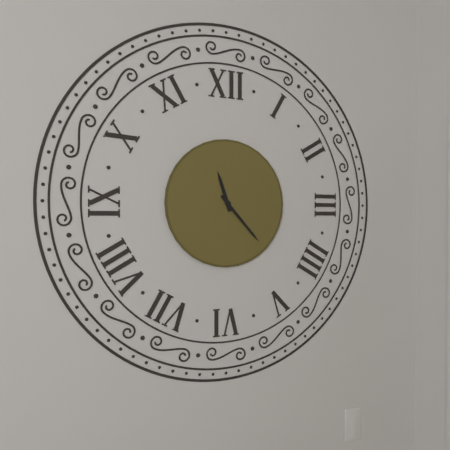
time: 11.23
